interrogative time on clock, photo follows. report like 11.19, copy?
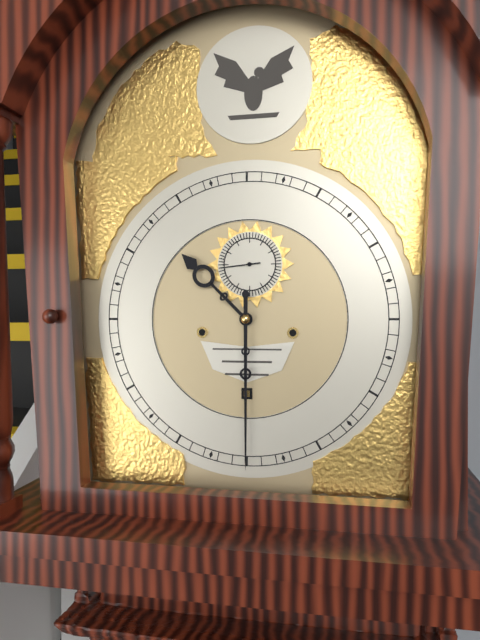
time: 10.30
